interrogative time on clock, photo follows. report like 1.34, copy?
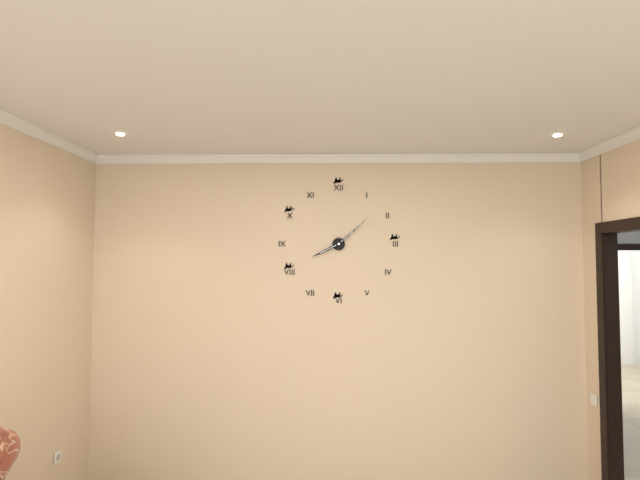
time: 8.08
